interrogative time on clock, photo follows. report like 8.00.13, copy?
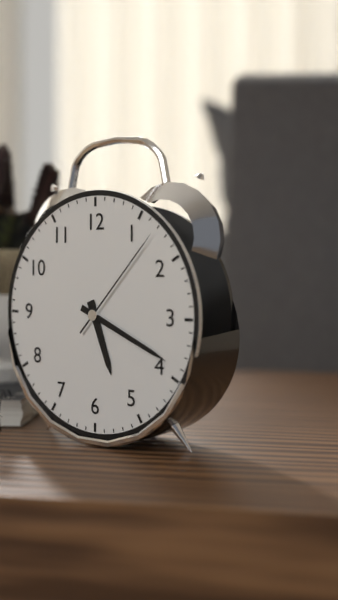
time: 5.19.07
